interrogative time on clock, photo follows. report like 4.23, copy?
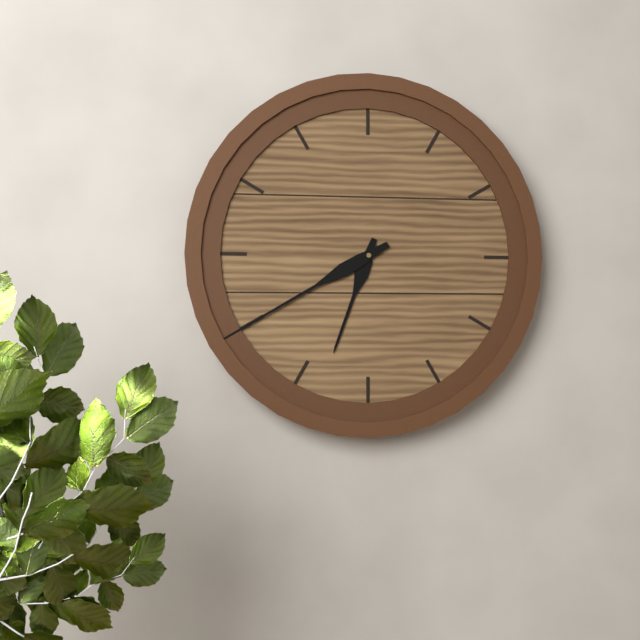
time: 6.40
